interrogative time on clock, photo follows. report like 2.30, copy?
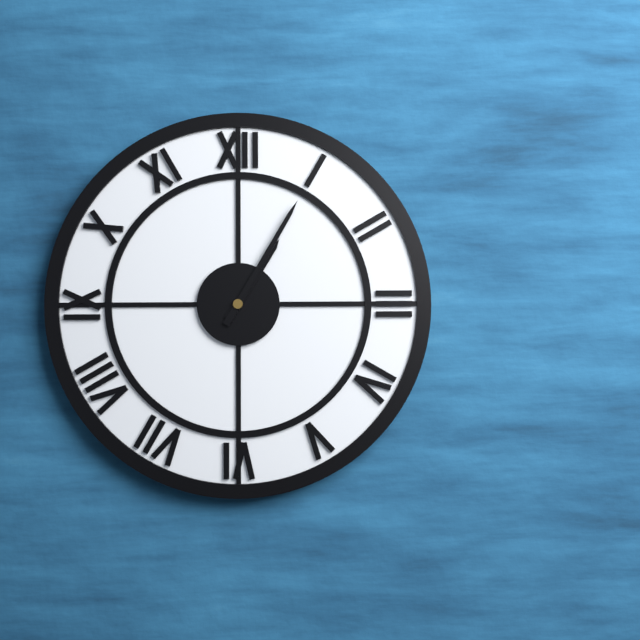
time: 1.05
